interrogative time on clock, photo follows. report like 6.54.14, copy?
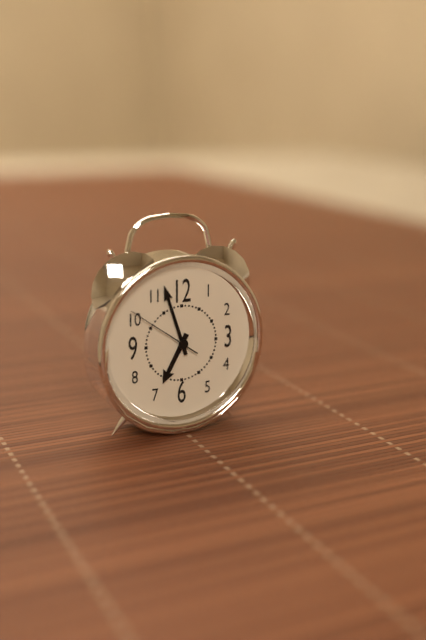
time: 6.57.51
